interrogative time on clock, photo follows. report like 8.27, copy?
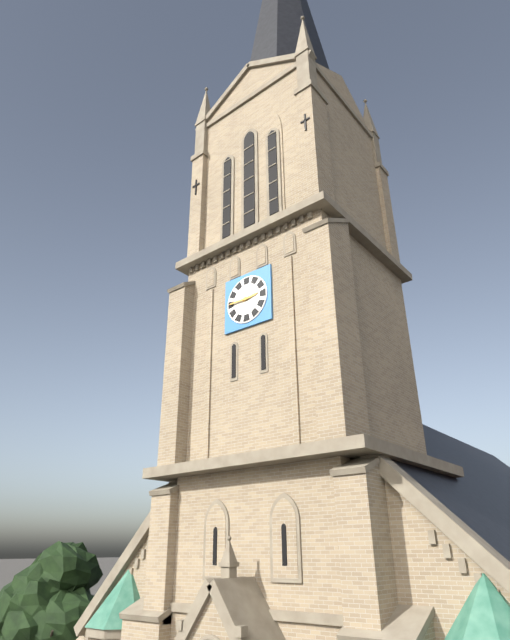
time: 2.45
